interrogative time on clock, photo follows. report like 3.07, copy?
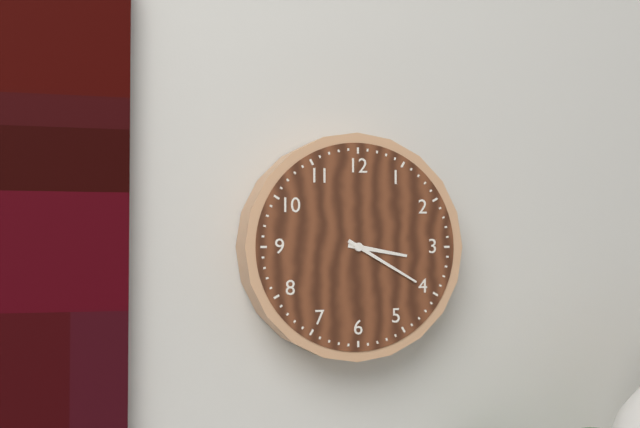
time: 3.20
